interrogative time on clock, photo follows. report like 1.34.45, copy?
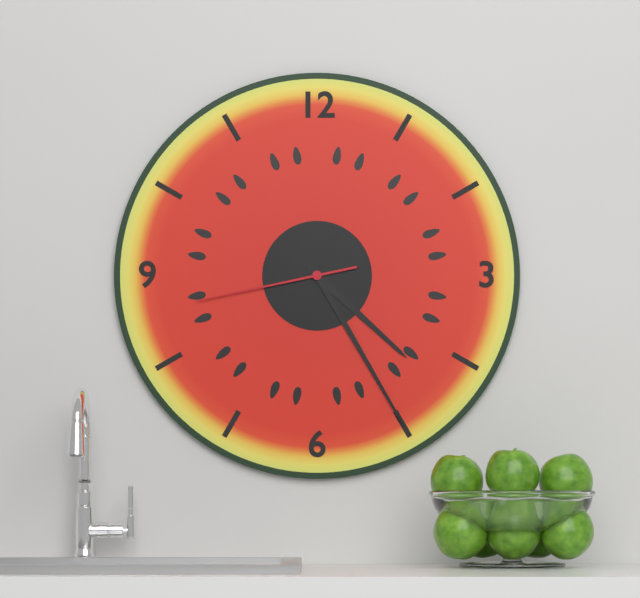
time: 4.25.43
